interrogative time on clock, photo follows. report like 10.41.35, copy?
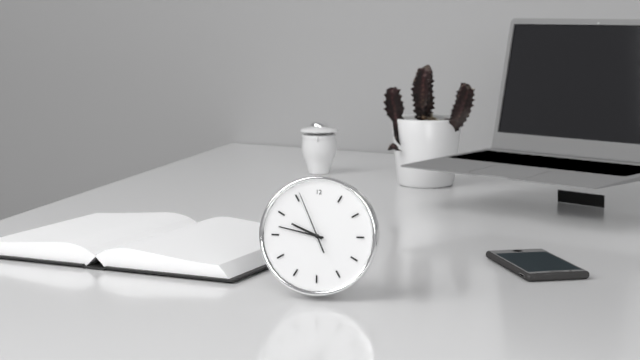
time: 9.47.56
